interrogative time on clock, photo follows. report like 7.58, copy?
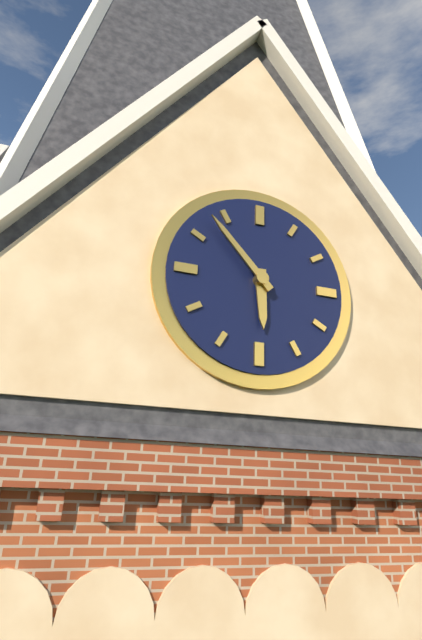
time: 5.53
